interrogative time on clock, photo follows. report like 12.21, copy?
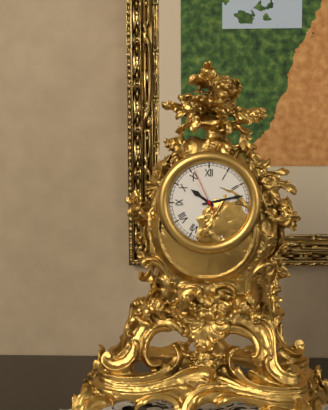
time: 10.13
